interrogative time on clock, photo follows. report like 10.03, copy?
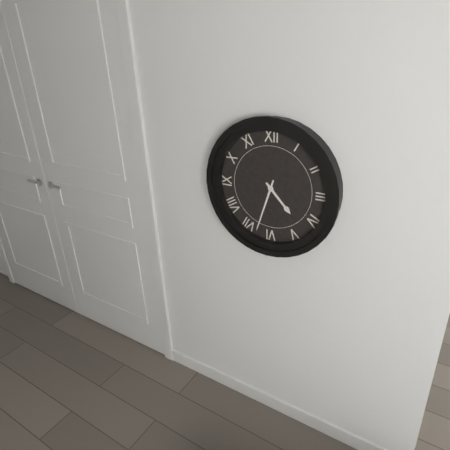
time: 4.33
